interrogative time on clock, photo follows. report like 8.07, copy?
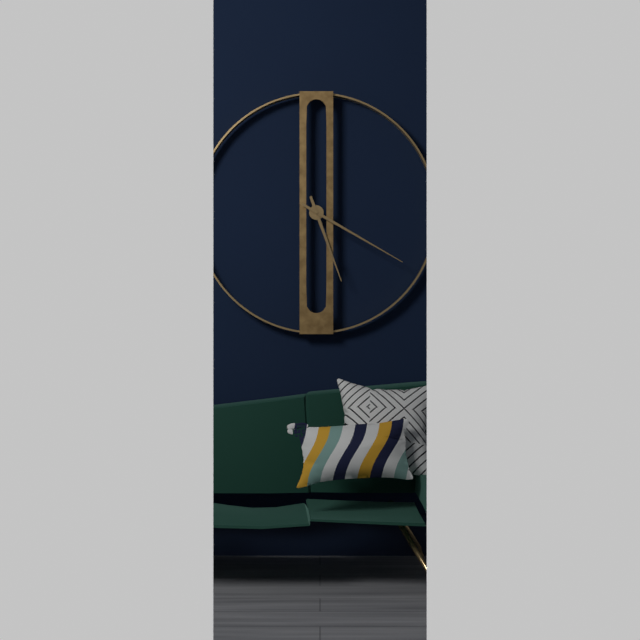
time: 5.20
